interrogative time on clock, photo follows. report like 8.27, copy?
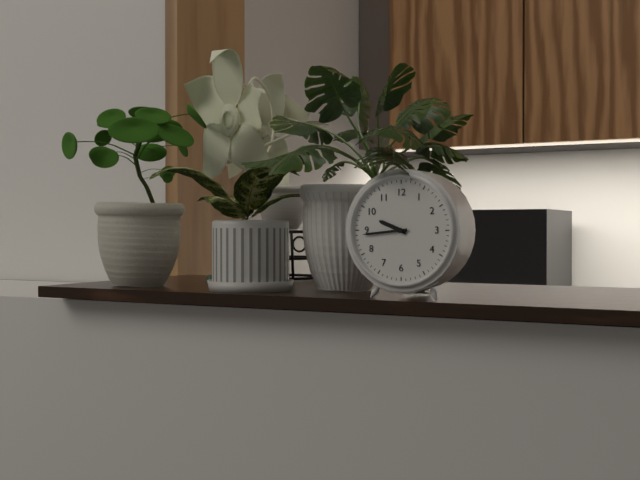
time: 9.44
